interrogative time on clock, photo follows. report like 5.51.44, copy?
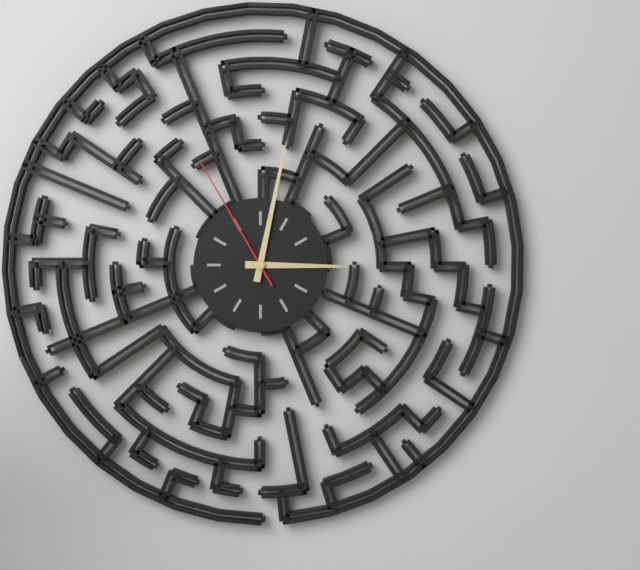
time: 3.02.55
